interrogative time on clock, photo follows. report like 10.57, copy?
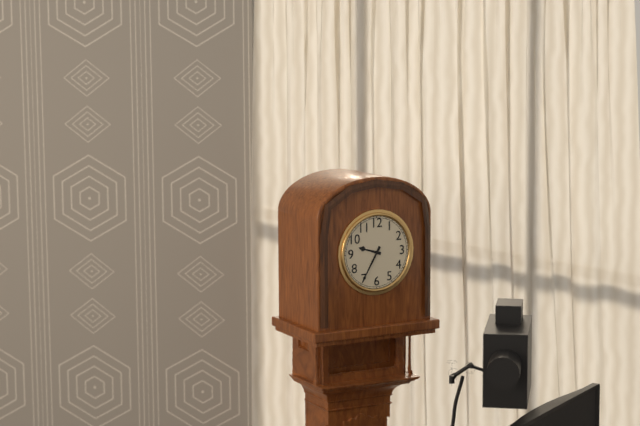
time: 9.35
